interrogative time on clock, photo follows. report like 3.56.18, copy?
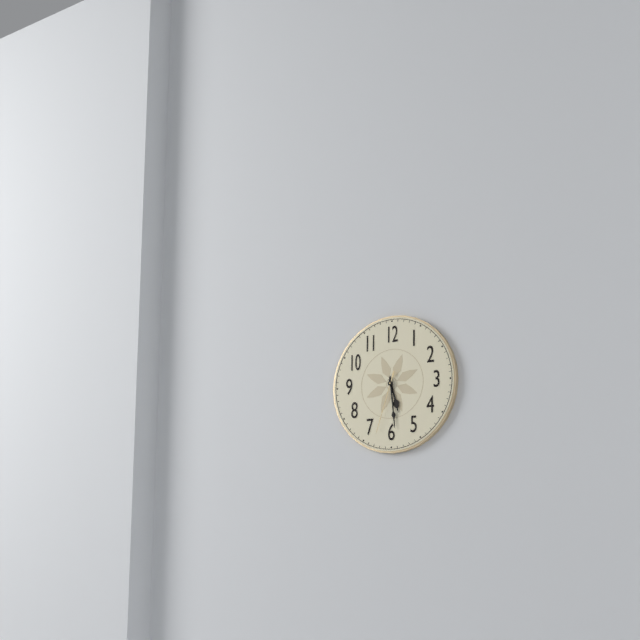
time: 5.29.33
